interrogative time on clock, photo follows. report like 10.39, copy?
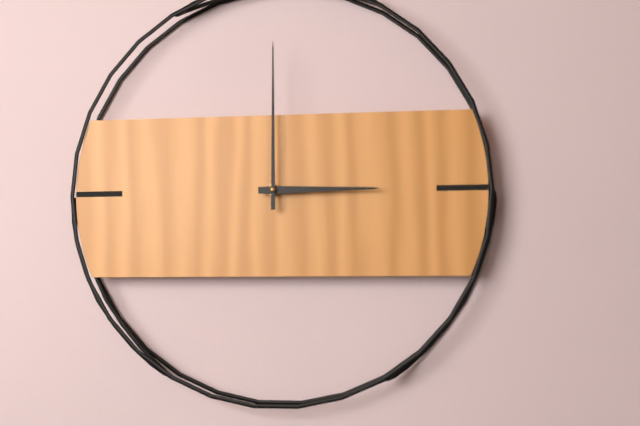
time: 3.00
